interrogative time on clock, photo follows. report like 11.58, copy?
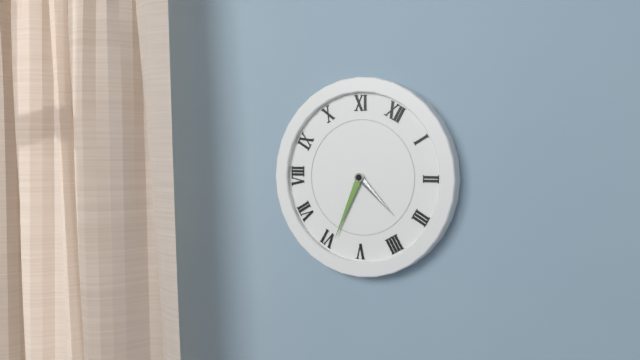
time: 3.29
